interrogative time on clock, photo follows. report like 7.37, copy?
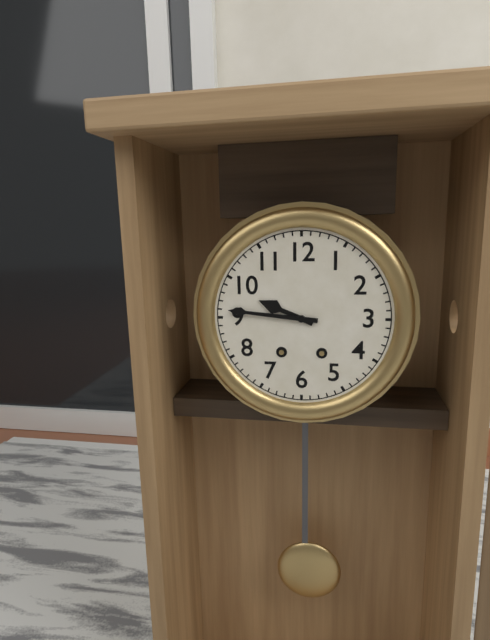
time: 9.46
